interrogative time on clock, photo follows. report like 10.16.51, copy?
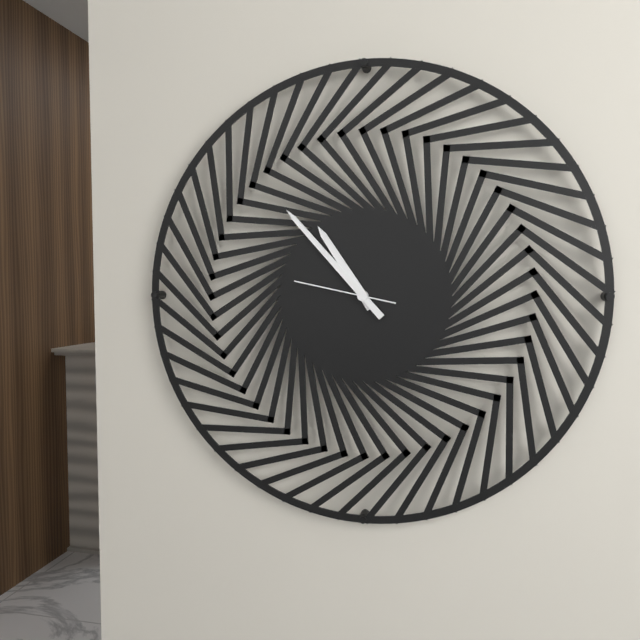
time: 10.53.47
